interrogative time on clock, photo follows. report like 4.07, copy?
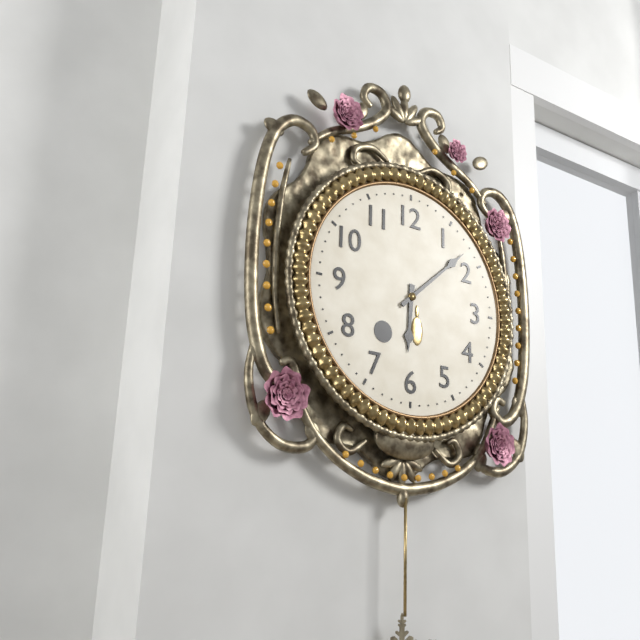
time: 6.08
